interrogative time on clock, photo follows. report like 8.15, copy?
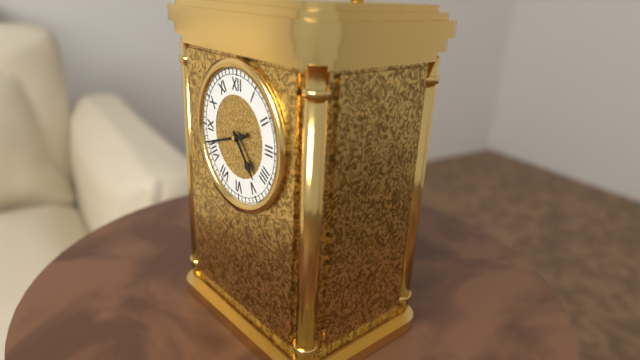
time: 4.42
